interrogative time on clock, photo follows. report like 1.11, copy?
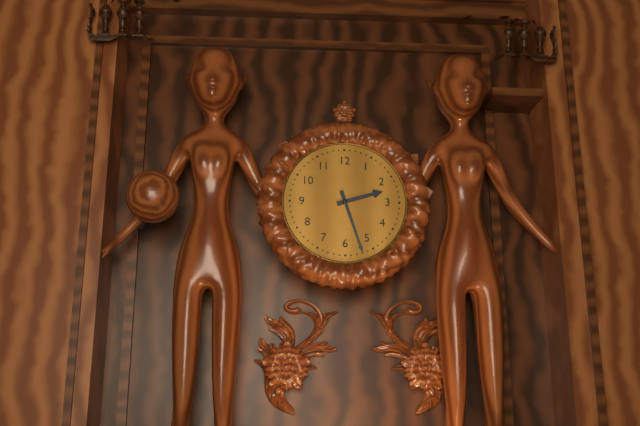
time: 2.27
